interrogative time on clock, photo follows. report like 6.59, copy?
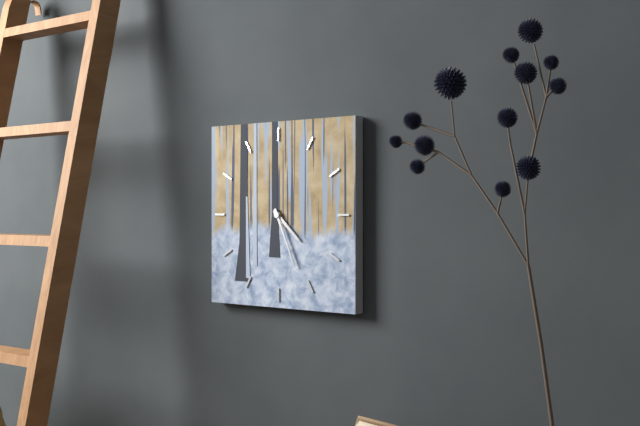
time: 4.26
